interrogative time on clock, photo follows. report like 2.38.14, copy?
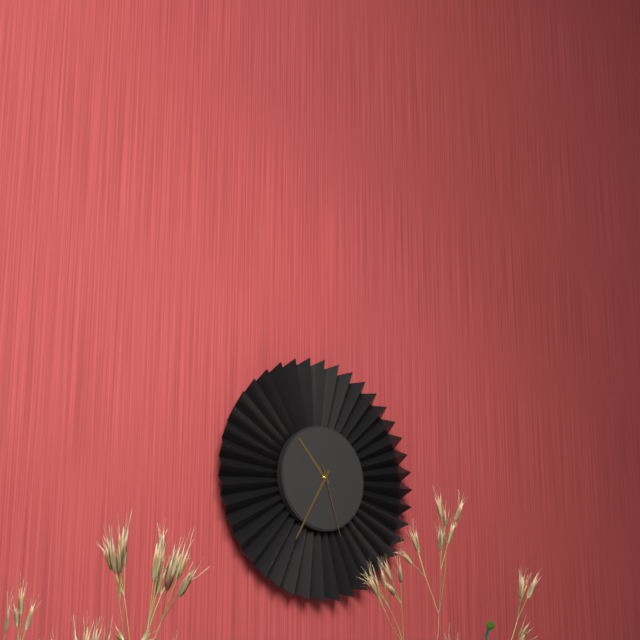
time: 10.35.27
